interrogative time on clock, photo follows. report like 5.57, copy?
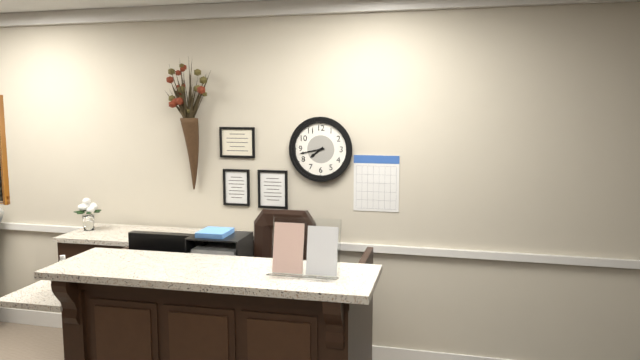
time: 7.43
